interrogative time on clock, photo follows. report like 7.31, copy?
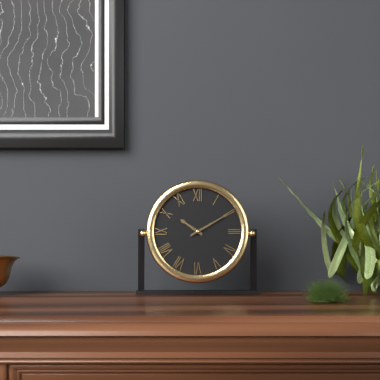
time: 10.10
